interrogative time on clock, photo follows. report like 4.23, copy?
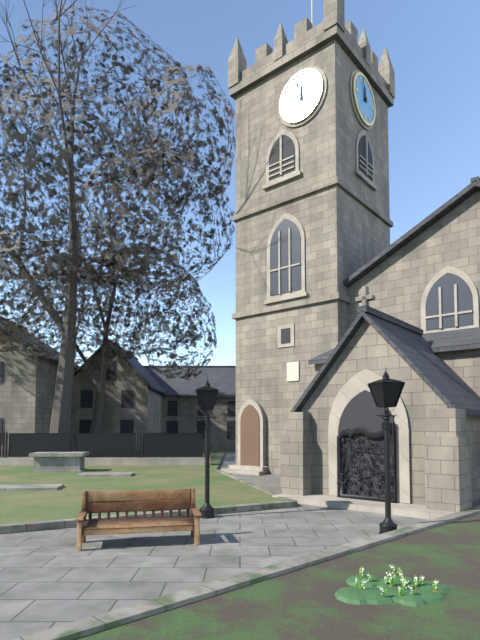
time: 11.57
